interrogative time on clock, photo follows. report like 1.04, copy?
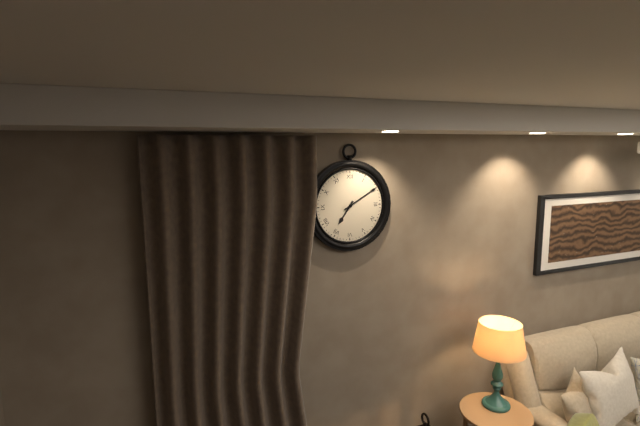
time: 7.10
